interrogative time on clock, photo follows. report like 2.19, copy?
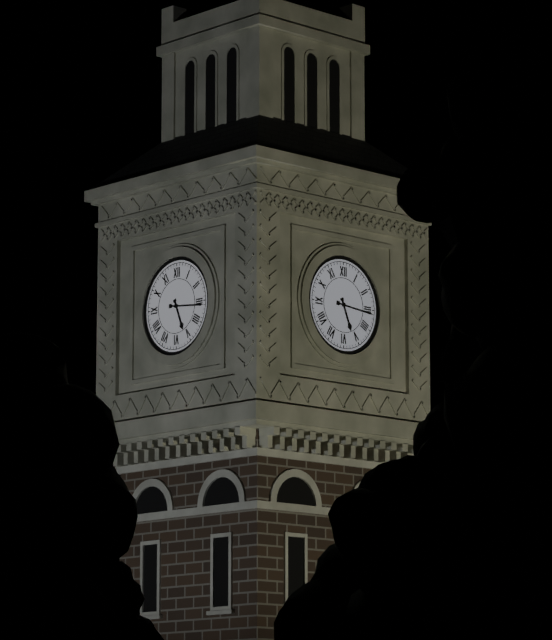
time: 5.16
